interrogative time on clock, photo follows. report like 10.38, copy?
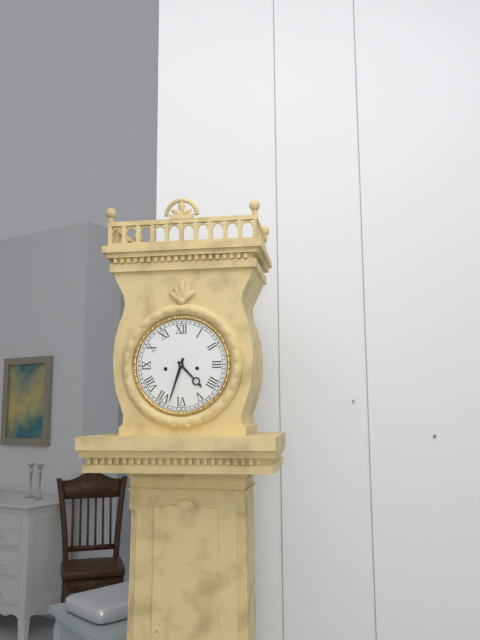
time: 4.33
